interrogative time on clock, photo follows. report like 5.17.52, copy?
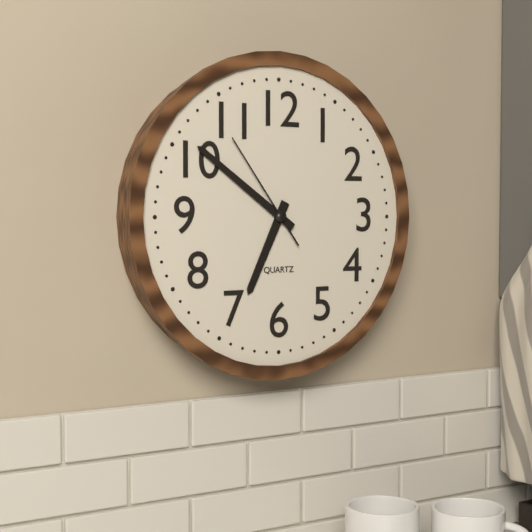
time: 6.51.54
